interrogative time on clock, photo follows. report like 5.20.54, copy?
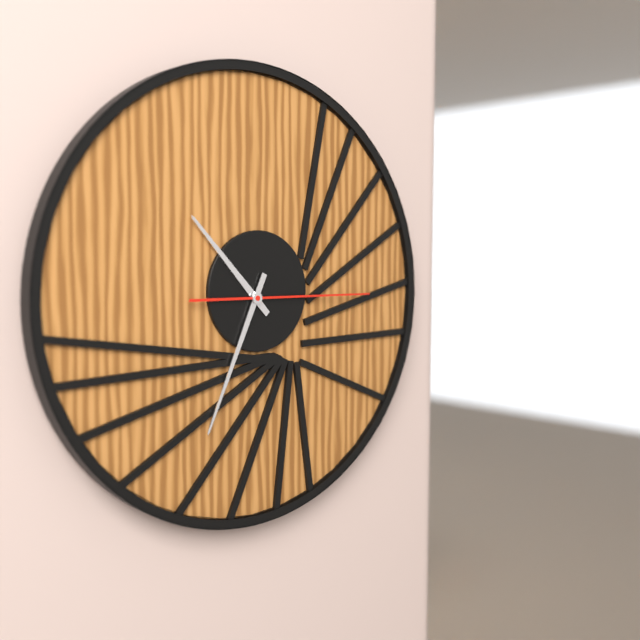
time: 10.34.15
